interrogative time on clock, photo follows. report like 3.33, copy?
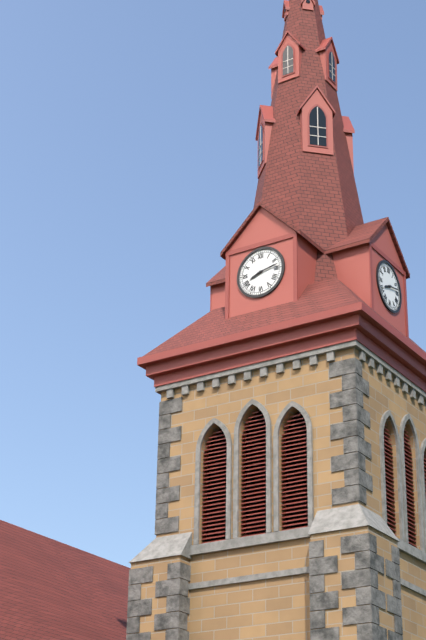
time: 8.13
